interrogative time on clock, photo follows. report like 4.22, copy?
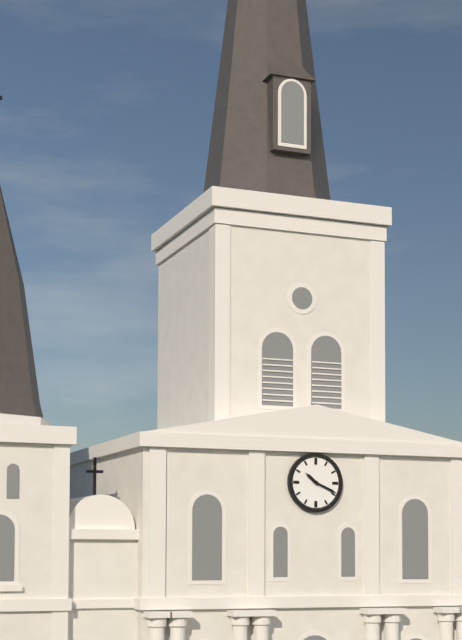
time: 10.19
